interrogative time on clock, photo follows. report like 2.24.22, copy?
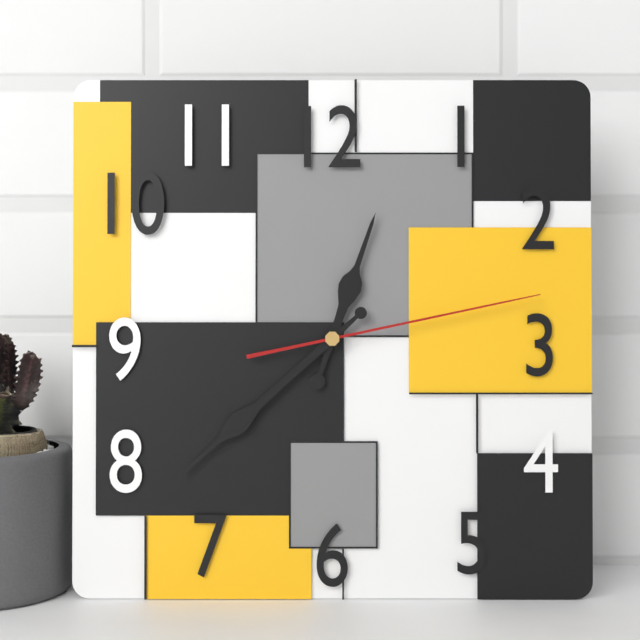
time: 12.38.13
